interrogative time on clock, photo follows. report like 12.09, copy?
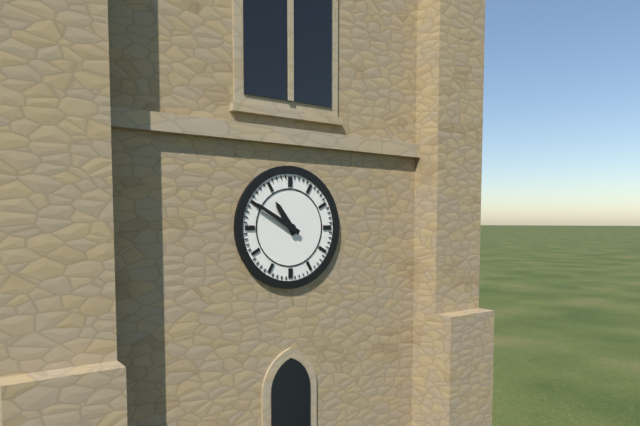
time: 10.50
